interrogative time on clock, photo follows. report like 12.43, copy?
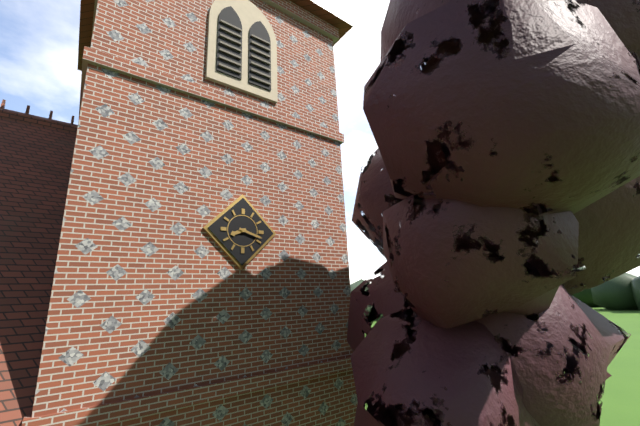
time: 8.18
